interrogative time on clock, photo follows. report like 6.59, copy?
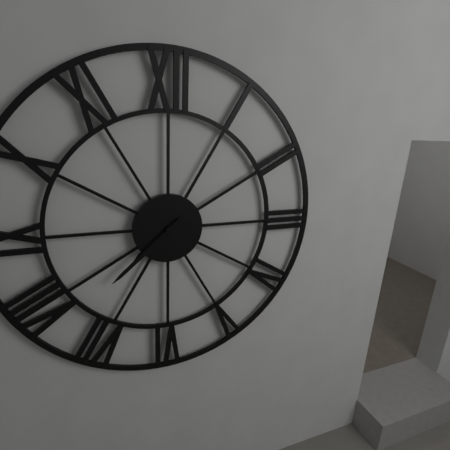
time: 7.38
